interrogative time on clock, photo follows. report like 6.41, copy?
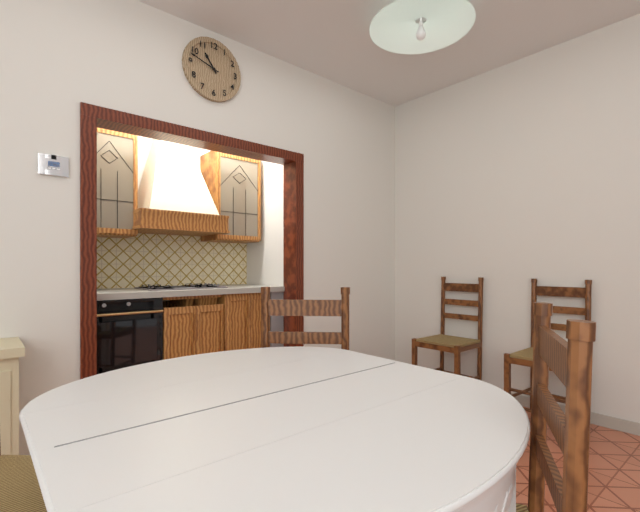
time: 10.48
